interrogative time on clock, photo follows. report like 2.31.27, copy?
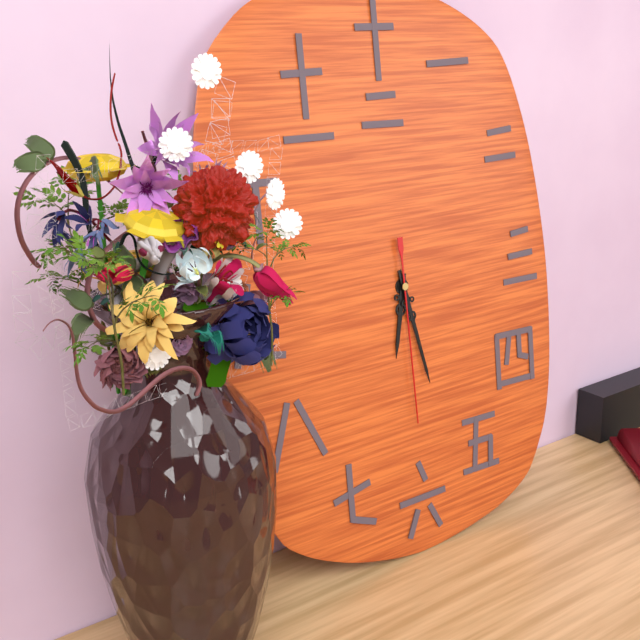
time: 6.28.30
